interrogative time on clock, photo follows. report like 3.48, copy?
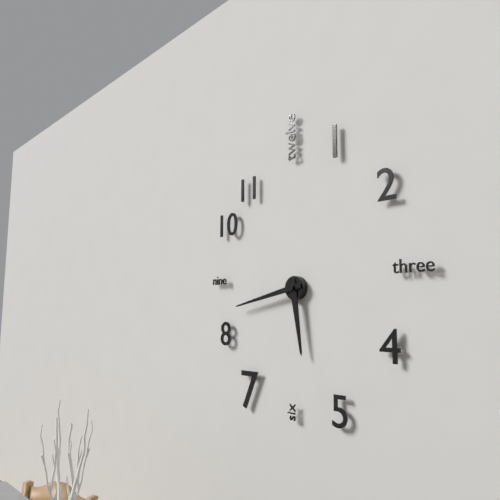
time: 5.43
